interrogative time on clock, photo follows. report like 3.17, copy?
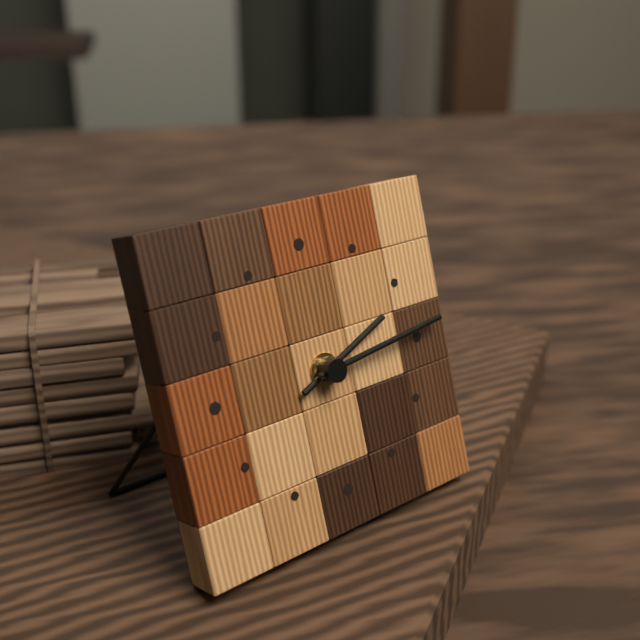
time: 2.14
